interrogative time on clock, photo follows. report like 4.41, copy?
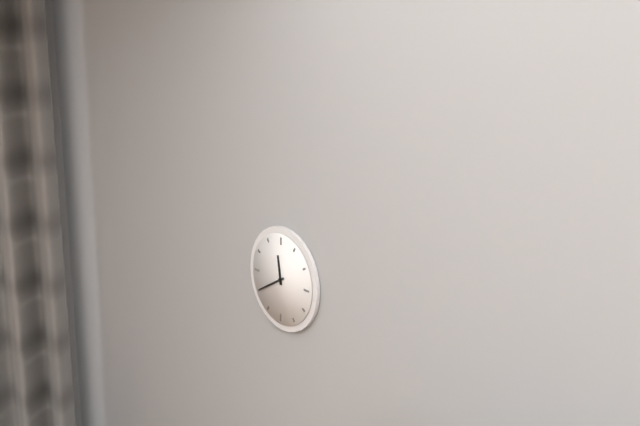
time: 11.40
